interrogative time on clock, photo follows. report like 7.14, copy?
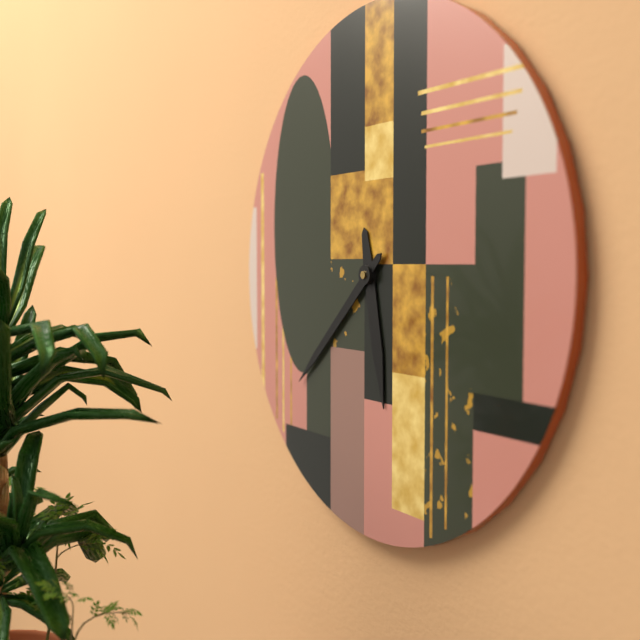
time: 5.38
